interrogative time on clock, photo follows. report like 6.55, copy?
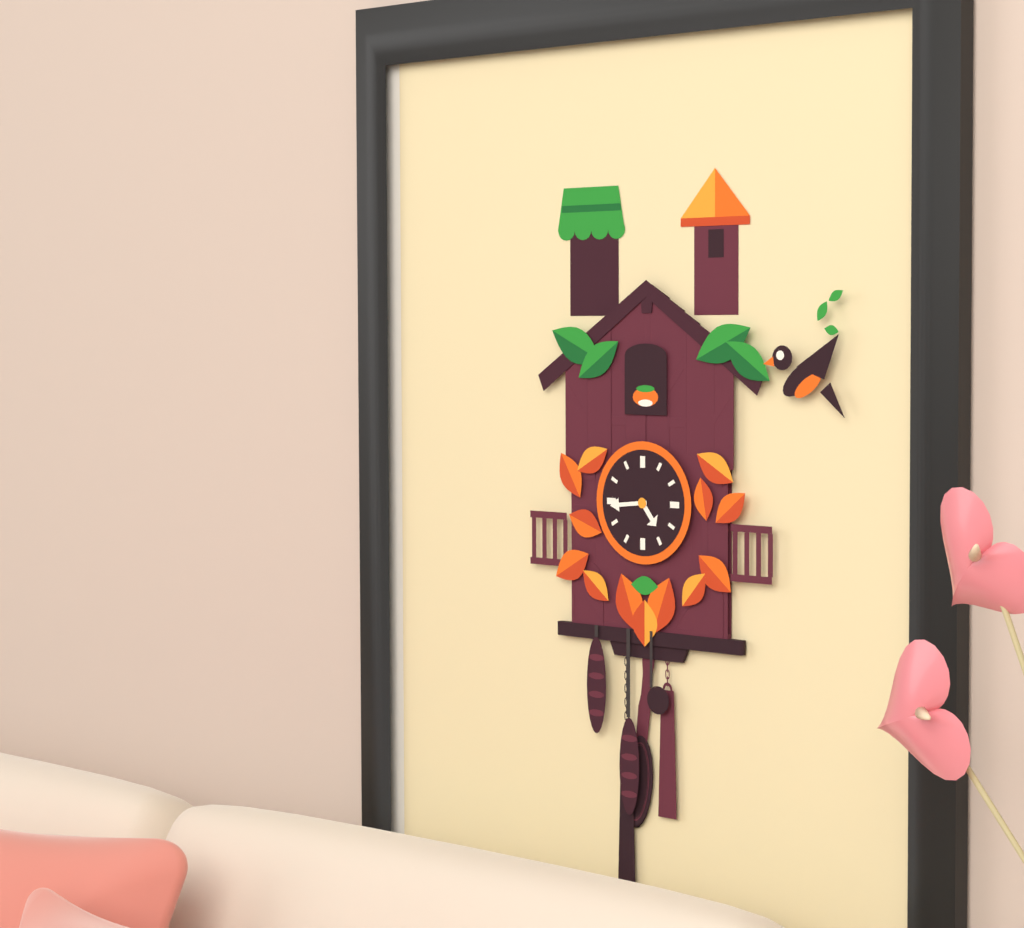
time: 4.44
